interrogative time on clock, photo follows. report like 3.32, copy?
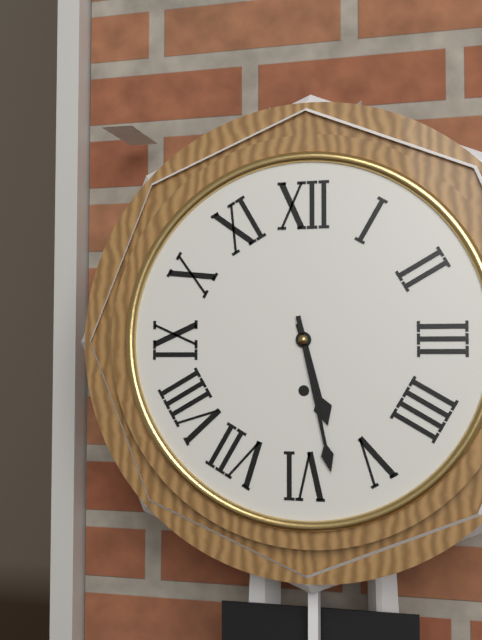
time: 5.28
